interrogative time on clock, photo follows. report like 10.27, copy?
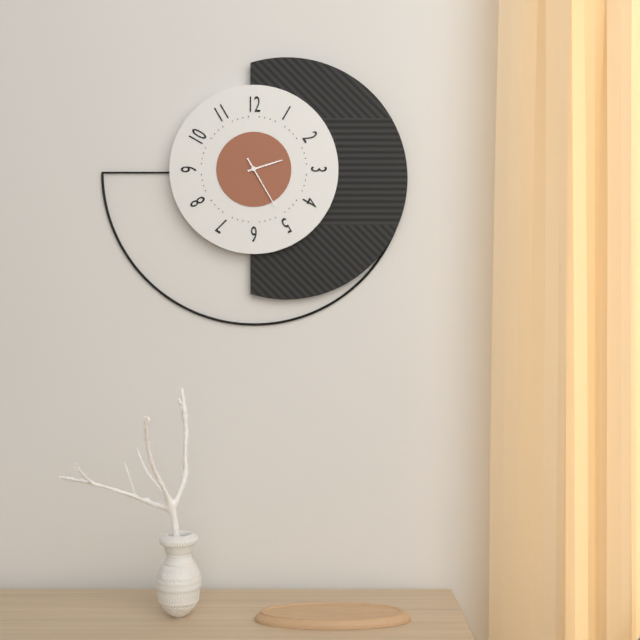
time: 2.25
